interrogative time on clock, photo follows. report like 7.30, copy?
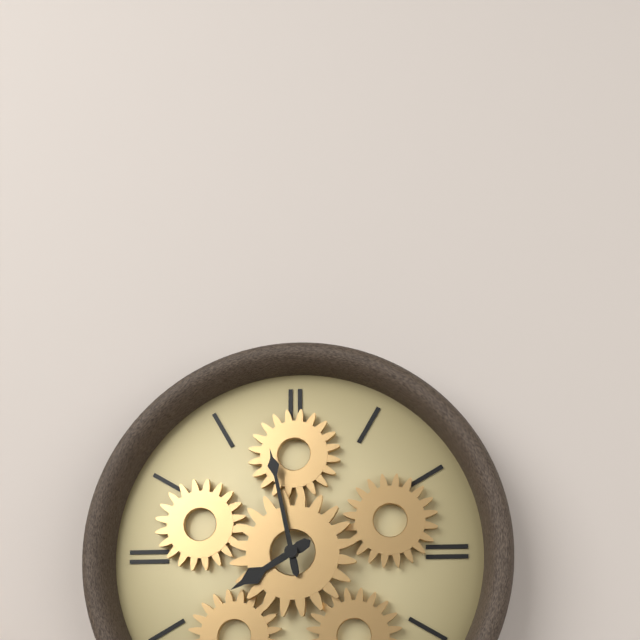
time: 7.58
